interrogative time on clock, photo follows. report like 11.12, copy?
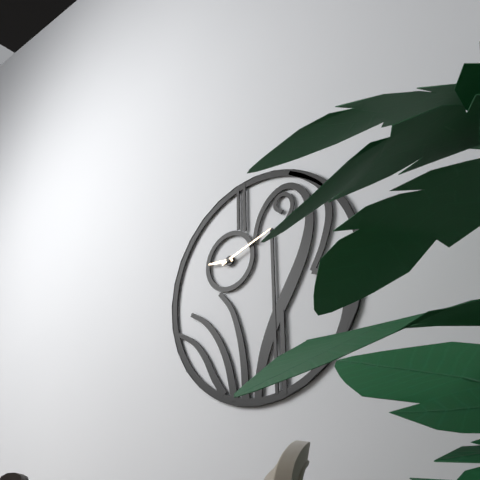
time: 9.12
